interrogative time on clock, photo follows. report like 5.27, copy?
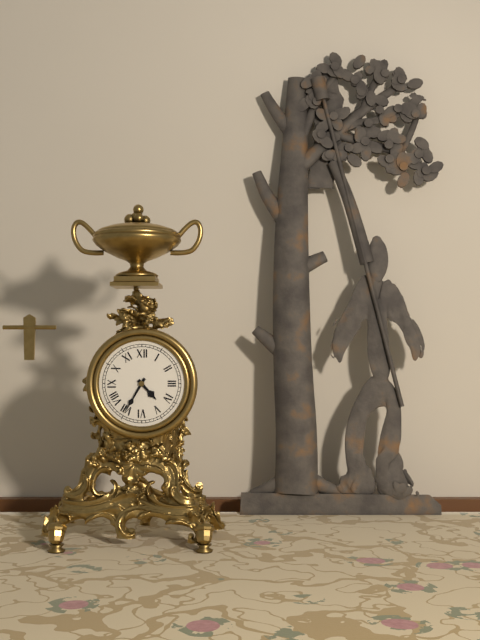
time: 4.35
